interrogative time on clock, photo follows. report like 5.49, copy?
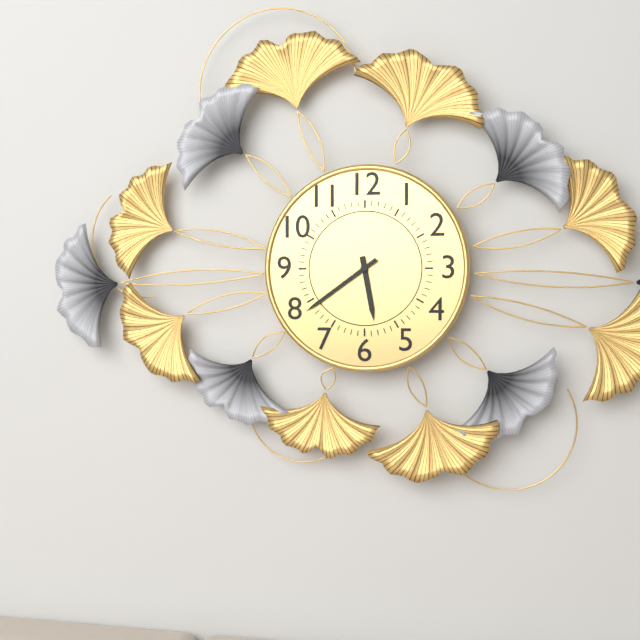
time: 5.39
